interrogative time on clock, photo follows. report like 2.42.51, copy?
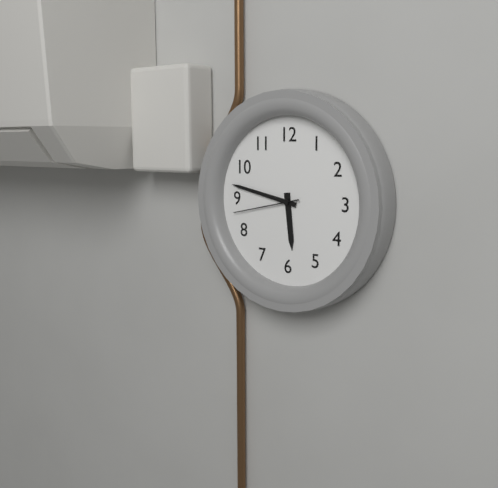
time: 5.47.43
